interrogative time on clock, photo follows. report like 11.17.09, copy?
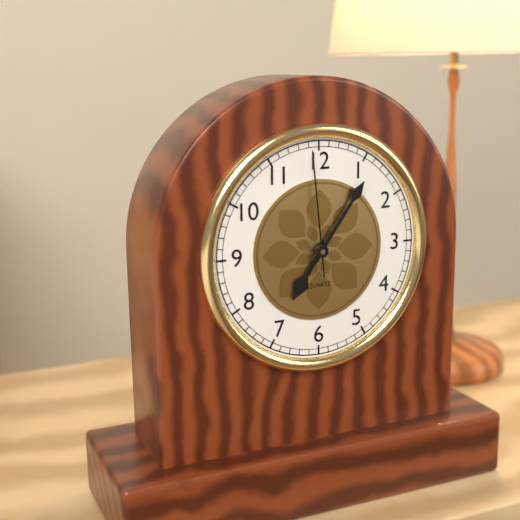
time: 7.06.59
